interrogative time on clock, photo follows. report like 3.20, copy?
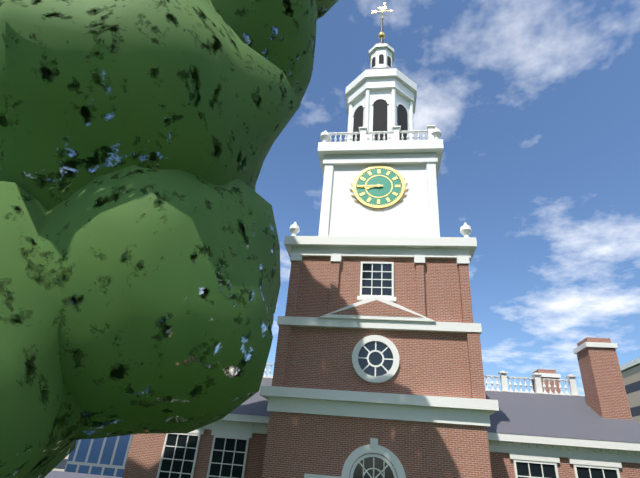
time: 8.45
